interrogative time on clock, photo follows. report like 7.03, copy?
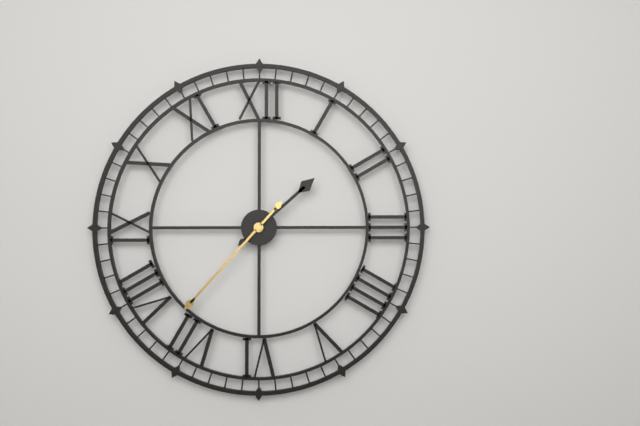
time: 1.37
